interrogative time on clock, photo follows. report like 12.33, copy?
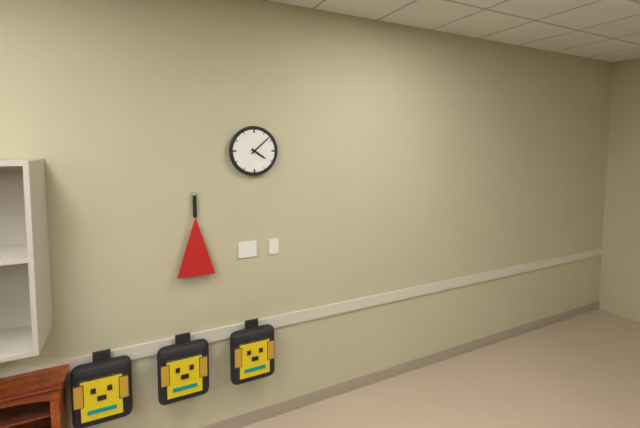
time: 4.08
